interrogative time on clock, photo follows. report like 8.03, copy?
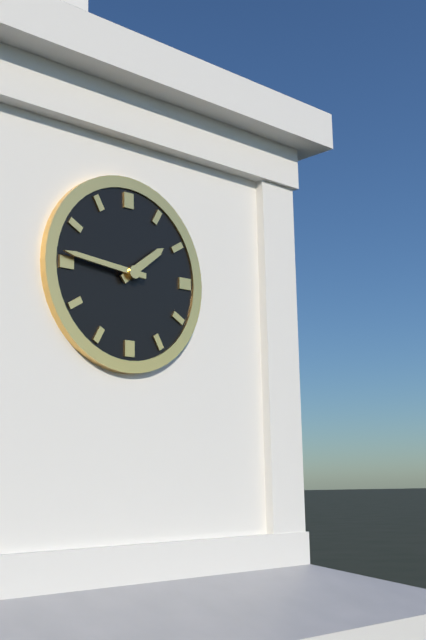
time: 1.46
